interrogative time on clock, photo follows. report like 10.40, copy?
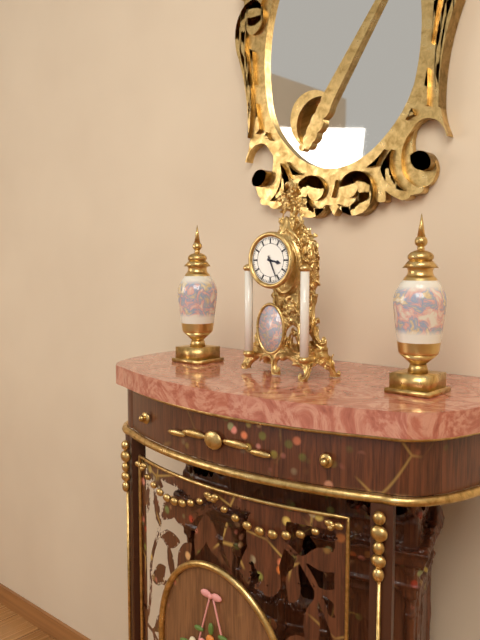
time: 3.26
